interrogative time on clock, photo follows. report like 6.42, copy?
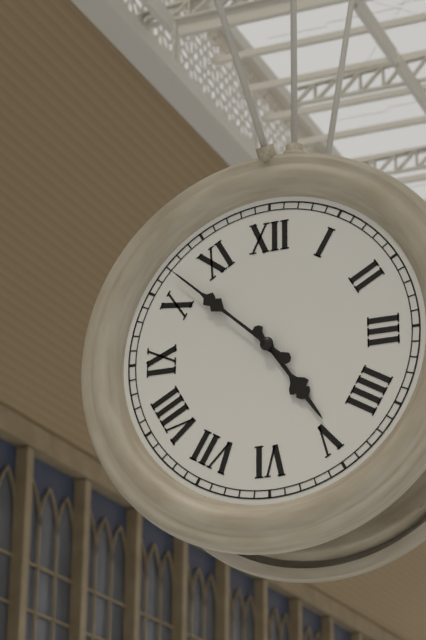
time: 4.52
